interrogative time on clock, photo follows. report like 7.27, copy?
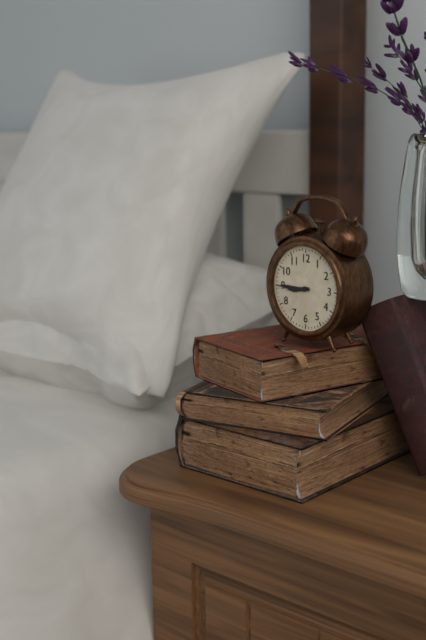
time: 8.45
